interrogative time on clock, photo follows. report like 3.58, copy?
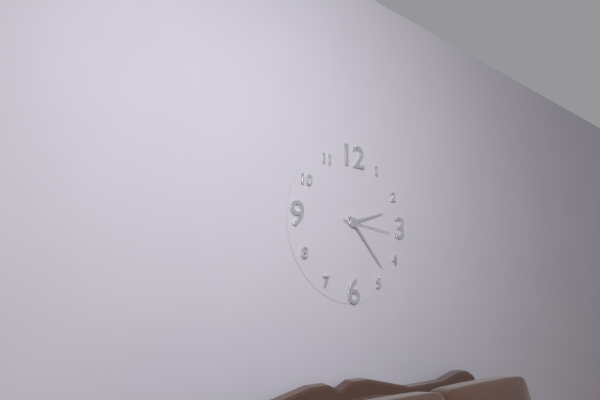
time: 2.23
